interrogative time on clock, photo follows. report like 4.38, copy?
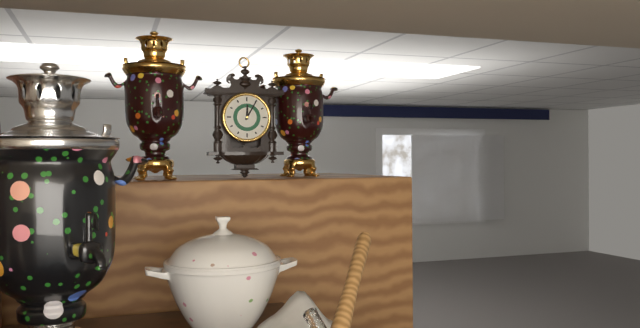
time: 12.05
